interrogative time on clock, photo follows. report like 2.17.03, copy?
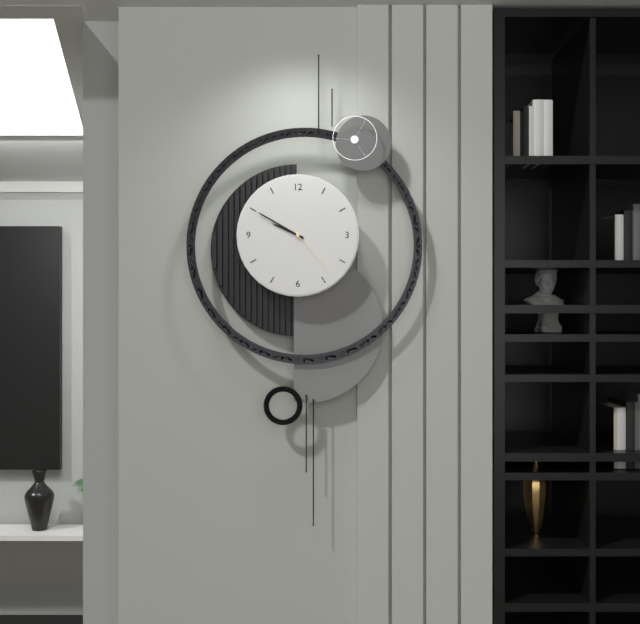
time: 9.50.23
